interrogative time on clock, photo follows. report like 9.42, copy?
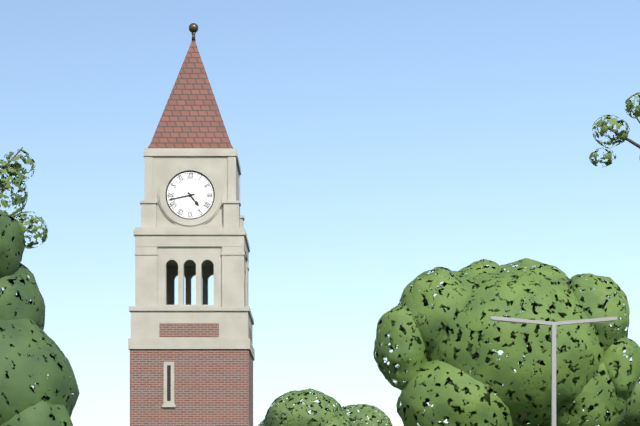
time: 4.43
